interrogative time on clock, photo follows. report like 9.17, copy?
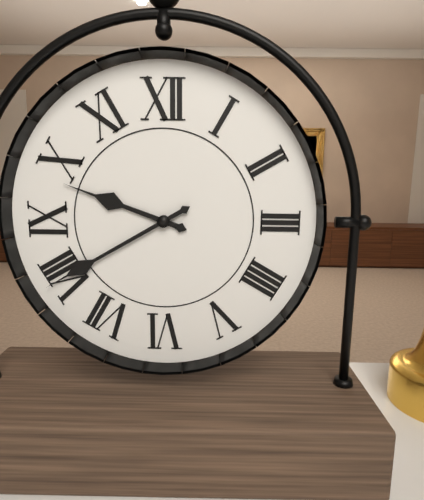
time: 9.40
